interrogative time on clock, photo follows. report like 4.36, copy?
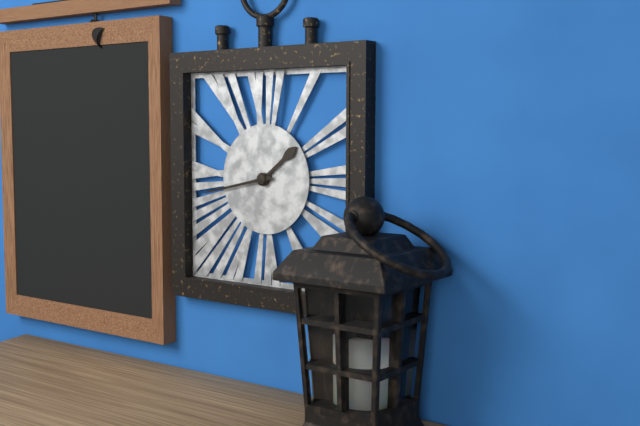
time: 1.43
